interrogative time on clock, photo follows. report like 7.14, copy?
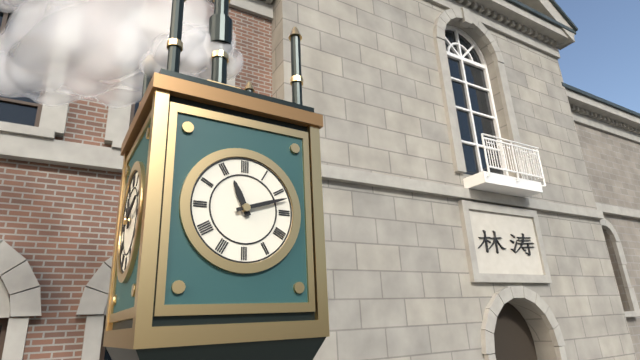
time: 11.12
